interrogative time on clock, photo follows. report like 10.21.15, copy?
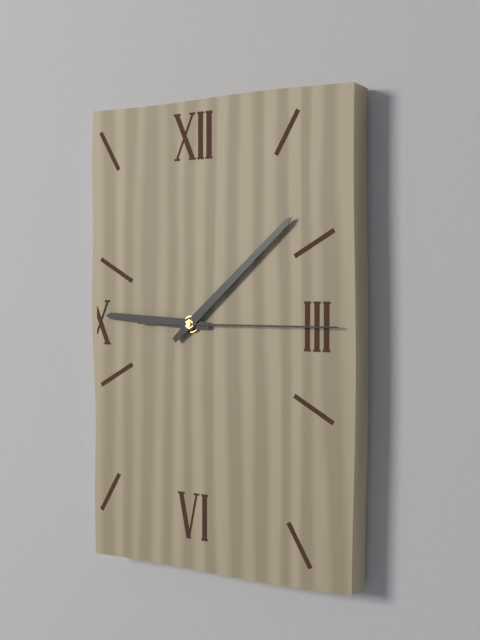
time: 9.08.15
